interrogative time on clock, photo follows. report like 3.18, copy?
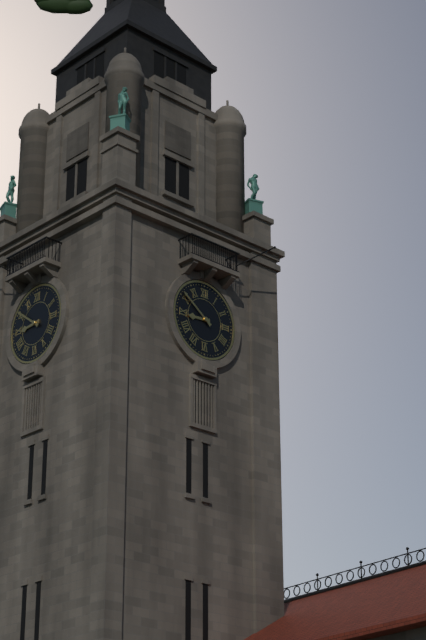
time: 8.51
